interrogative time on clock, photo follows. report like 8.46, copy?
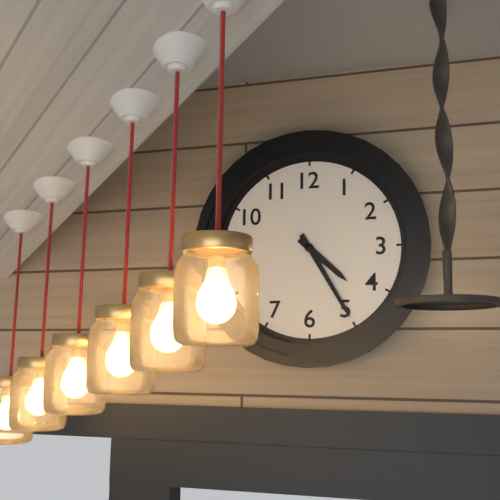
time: 4.25
